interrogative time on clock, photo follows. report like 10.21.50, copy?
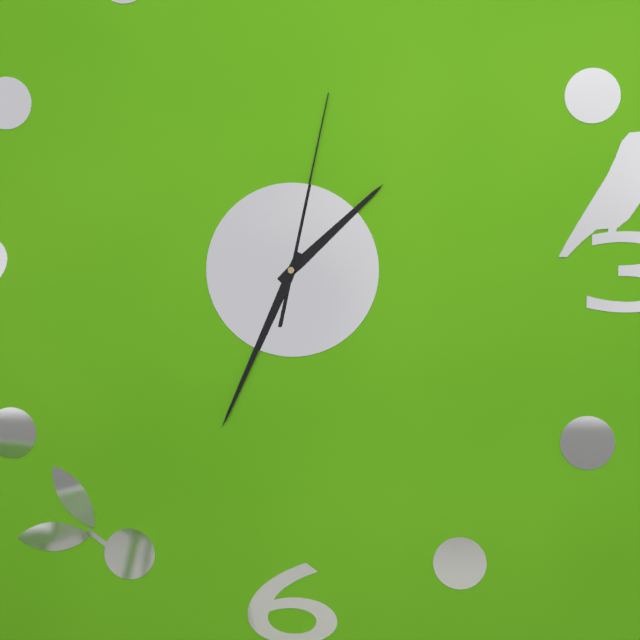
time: 1.34.02
